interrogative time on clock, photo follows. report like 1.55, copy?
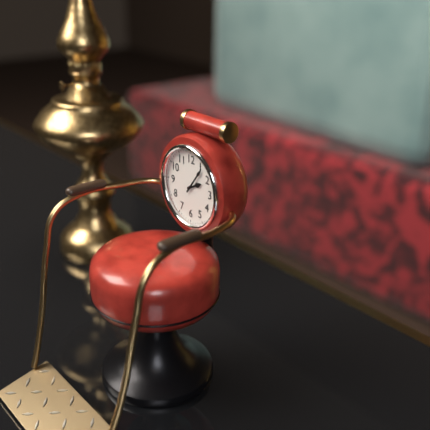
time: 2.06
